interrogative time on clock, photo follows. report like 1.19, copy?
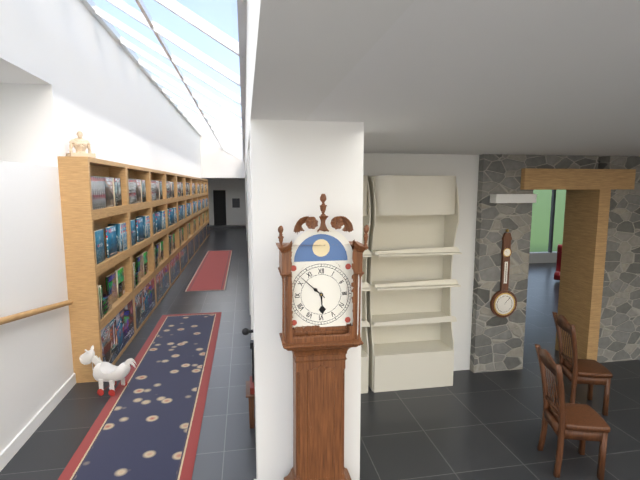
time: 5.52
